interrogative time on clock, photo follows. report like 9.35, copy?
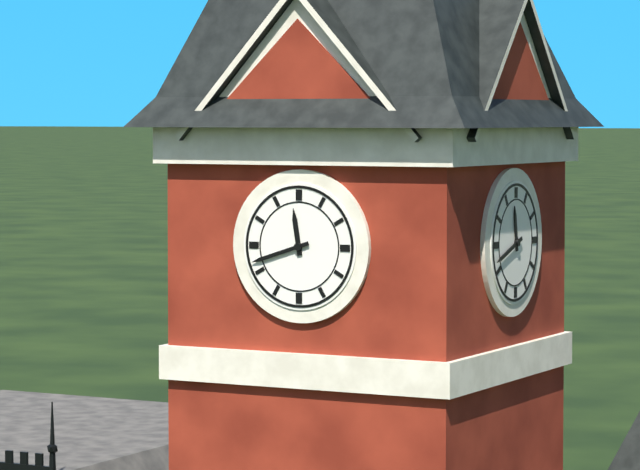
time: 11.42
